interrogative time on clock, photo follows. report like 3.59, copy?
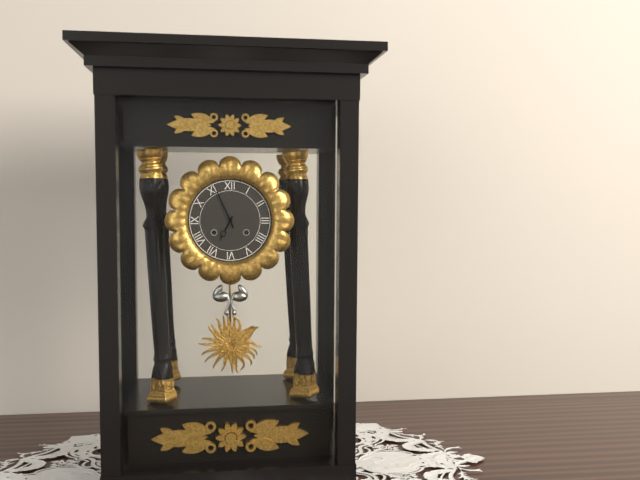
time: 6.56
